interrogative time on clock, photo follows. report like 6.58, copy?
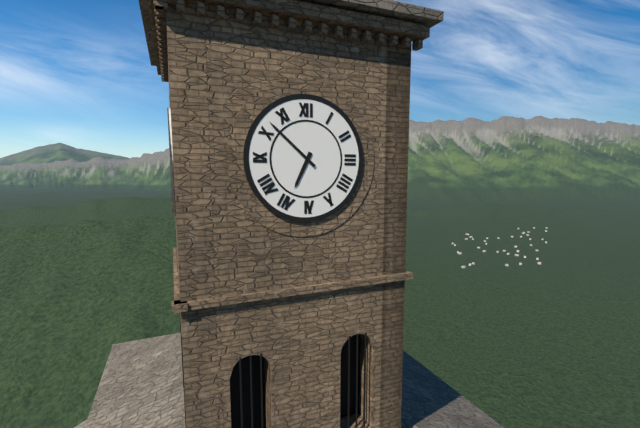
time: 6.52
